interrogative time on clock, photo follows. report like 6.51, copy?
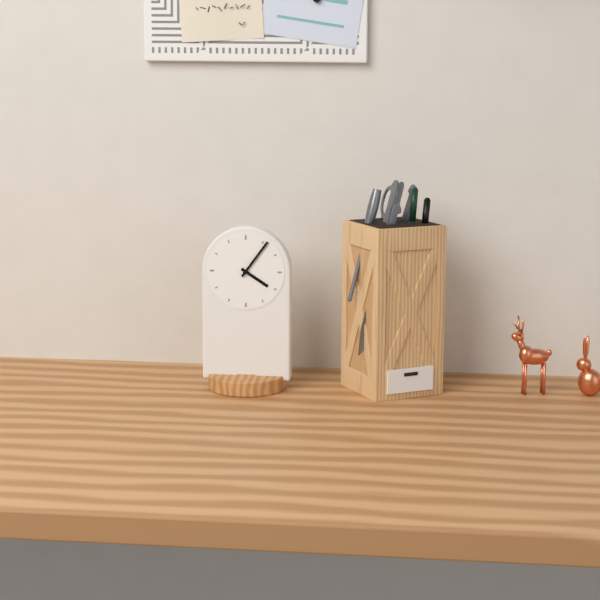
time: 4.06
